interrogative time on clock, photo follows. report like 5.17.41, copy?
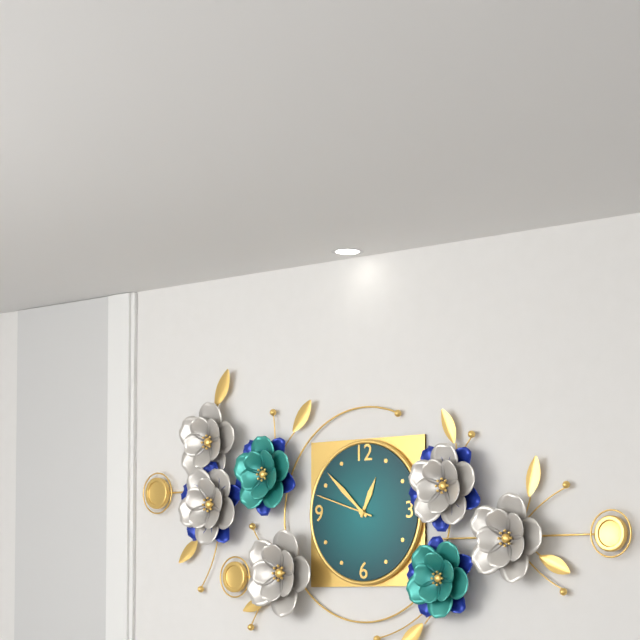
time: 12.52.48
